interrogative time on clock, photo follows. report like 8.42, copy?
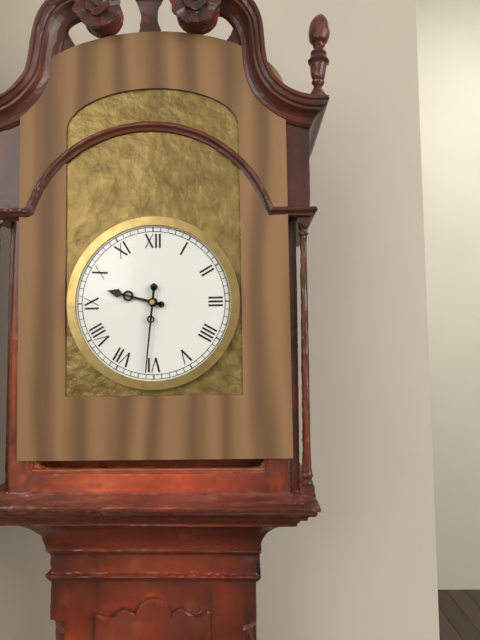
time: 9.31
